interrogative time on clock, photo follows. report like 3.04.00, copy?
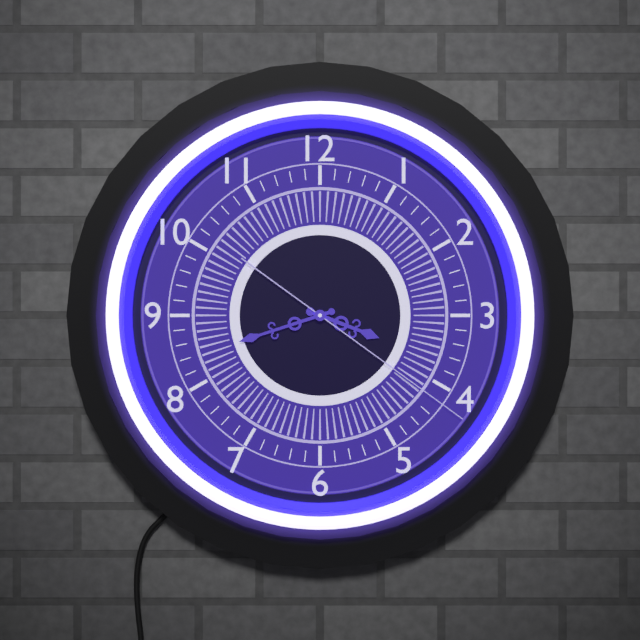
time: 3.42.21
